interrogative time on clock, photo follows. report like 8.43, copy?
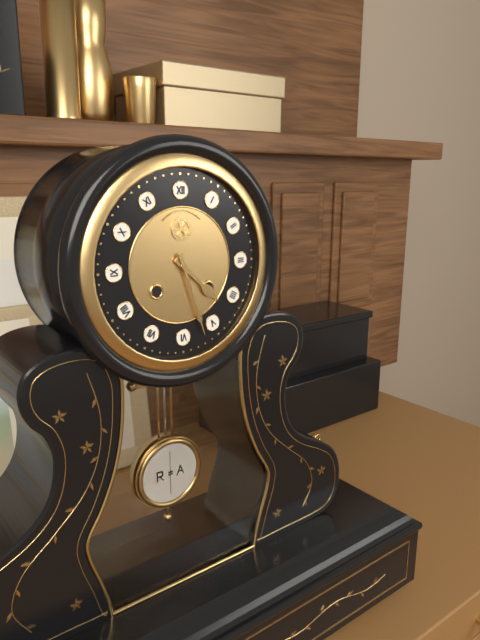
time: 4.27
